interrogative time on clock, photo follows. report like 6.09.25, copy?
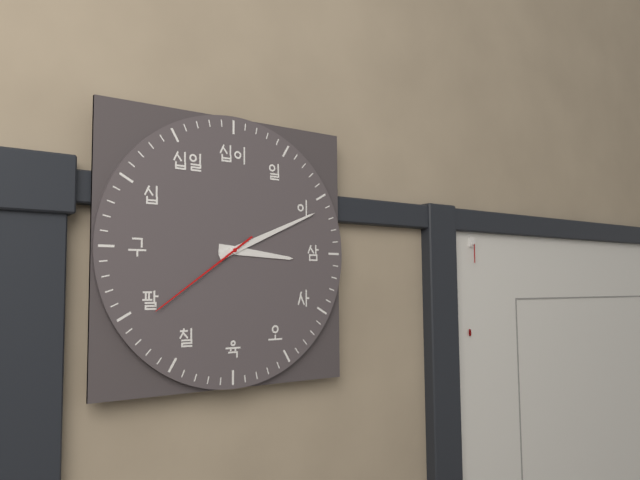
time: 3.11.39
